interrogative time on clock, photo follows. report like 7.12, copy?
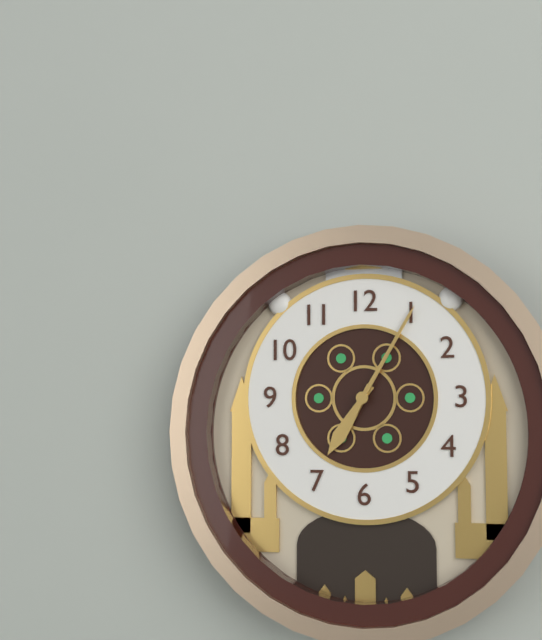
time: 7.05
